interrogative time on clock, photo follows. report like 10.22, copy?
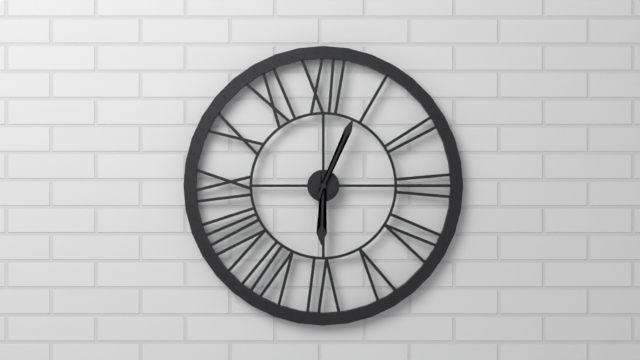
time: 6.04
